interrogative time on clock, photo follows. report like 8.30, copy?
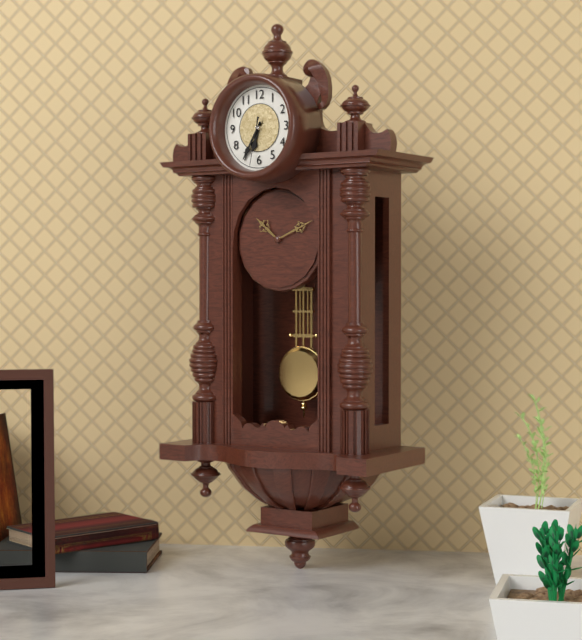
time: 6.35
